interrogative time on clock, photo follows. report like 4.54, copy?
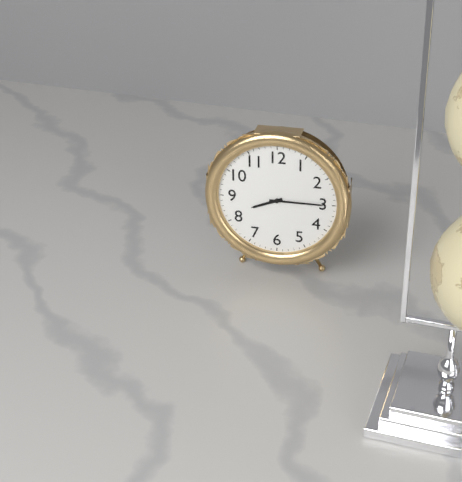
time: 8.15
